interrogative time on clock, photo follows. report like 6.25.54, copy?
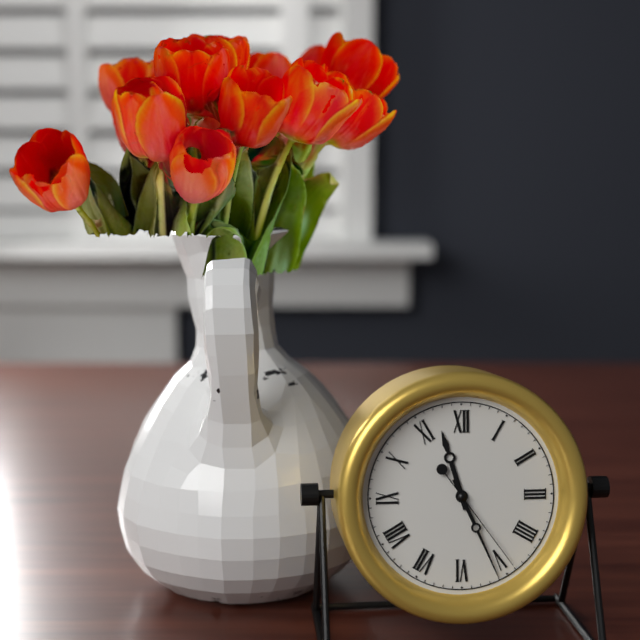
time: 11.26.24
